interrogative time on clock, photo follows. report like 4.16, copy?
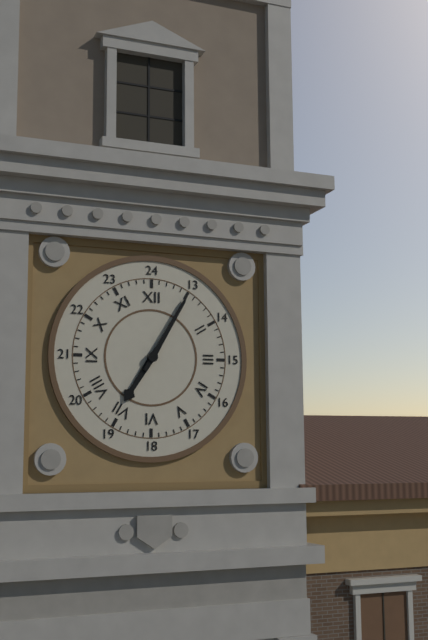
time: 7.05
